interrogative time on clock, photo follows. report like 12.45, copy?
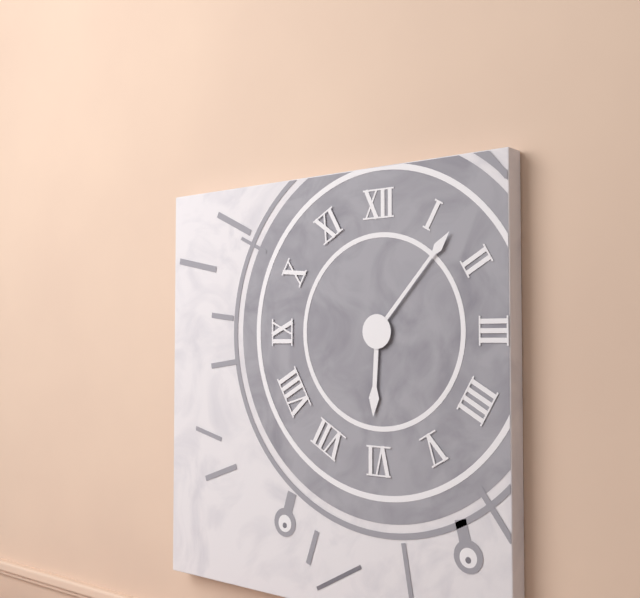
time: 6.07
